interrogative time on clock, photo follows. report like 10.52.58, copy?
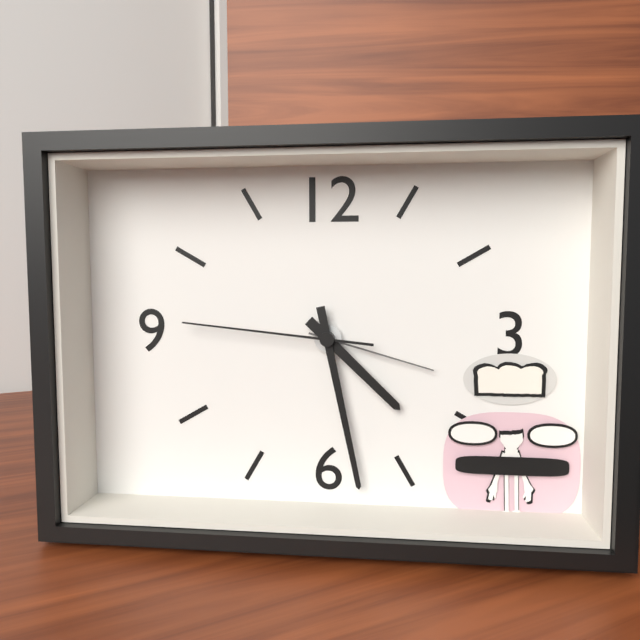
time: 4.28.46
